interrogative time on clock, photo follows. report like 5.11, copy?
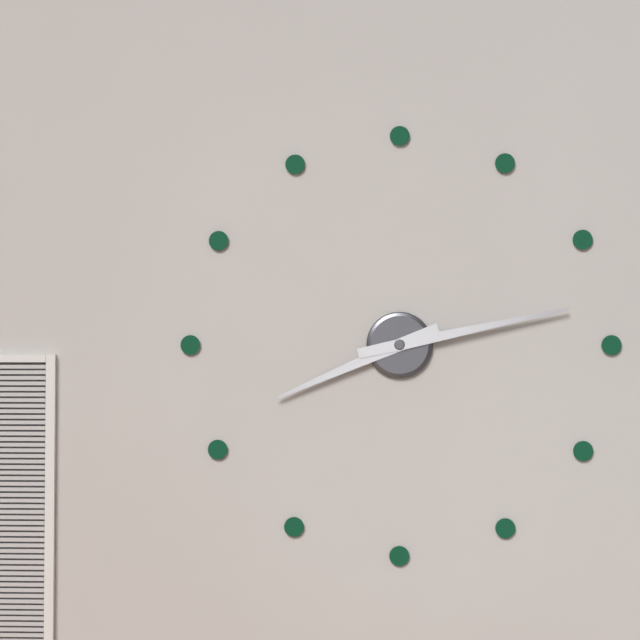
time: 8.13
